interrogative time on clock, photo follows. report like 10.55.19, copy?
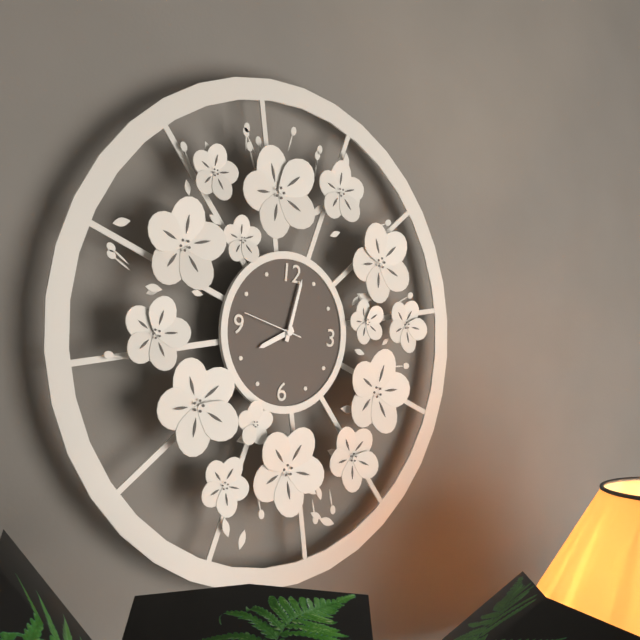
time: 8.02.47
